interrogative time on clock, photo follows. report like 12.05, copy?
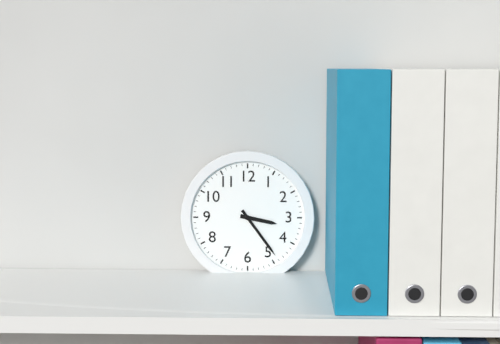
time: 3.24
